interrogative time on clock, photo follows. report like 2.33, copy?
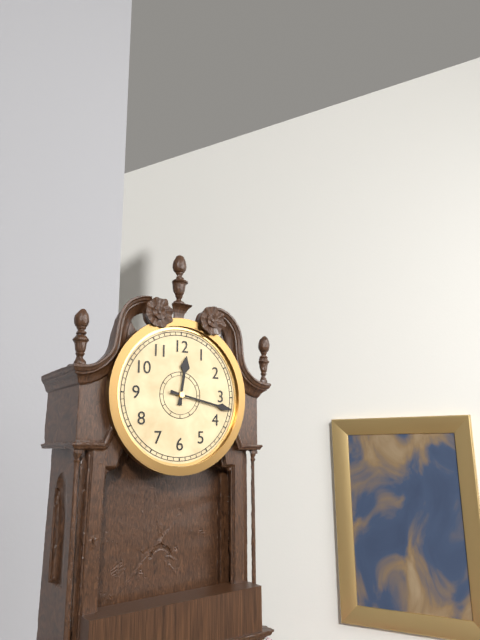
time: 12.17
